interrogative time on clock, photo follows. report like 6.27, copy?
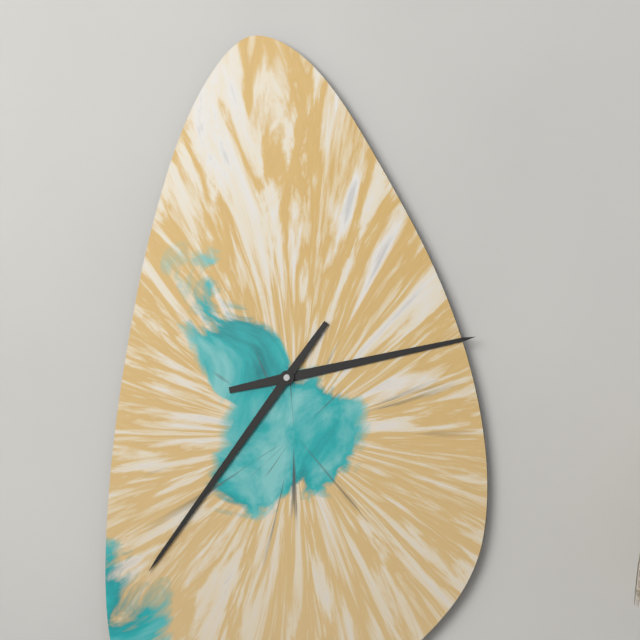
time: 2.36
